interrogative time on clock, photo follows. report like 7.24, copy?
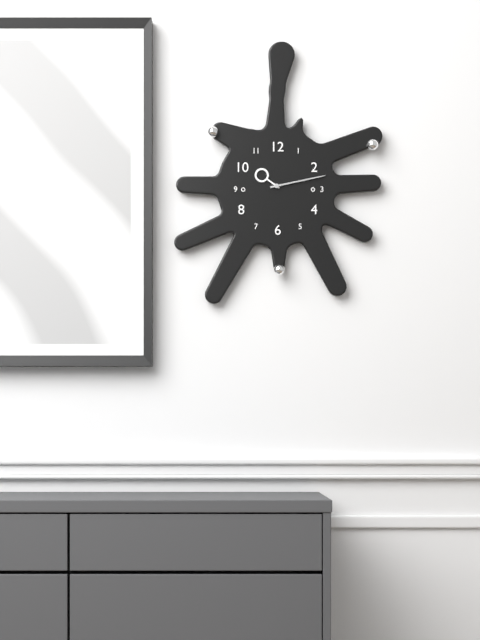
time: 10.13
